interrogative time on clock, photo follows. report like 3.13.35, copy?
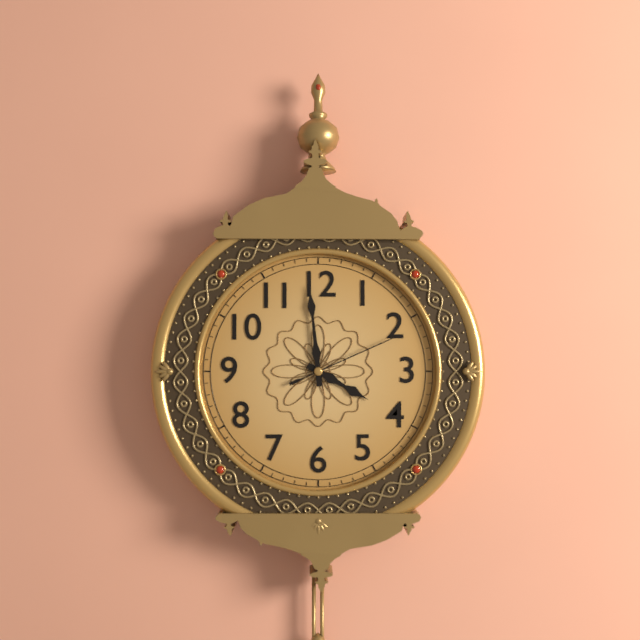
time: 3.59.11
